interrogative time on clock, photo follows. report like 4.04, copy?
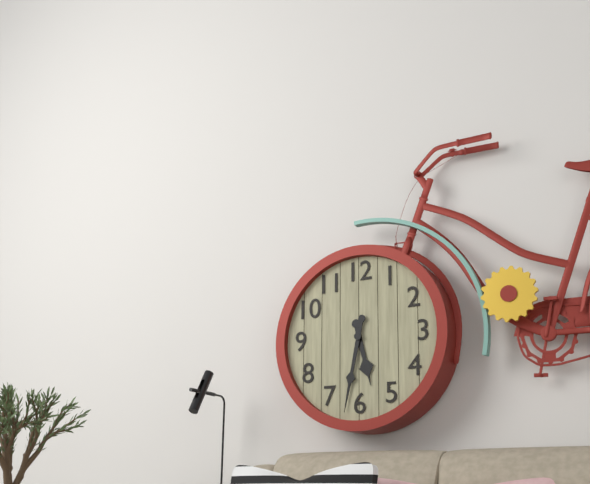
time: 5.32
